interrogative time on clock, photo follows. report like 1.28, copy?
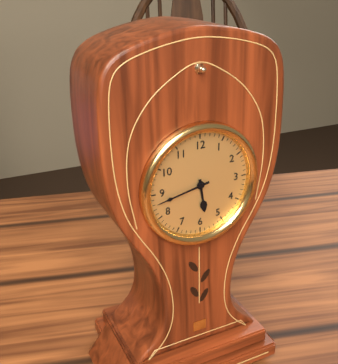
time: 5.43
